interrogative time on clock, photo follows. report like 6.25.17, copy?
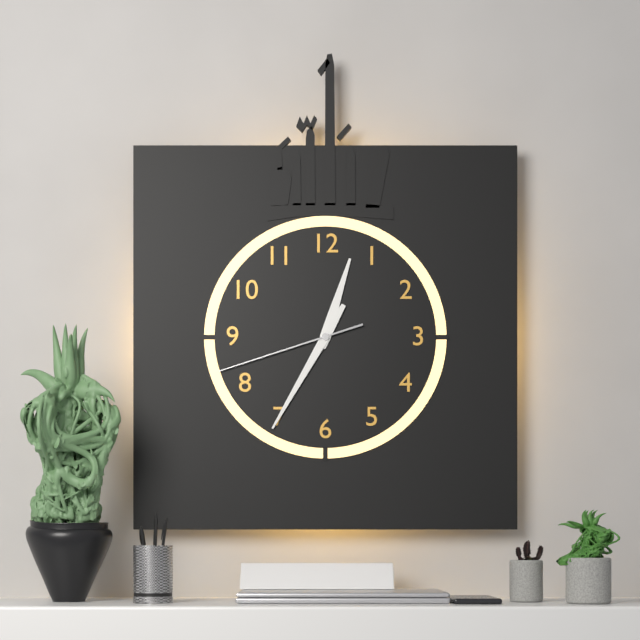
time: 12.35.42
